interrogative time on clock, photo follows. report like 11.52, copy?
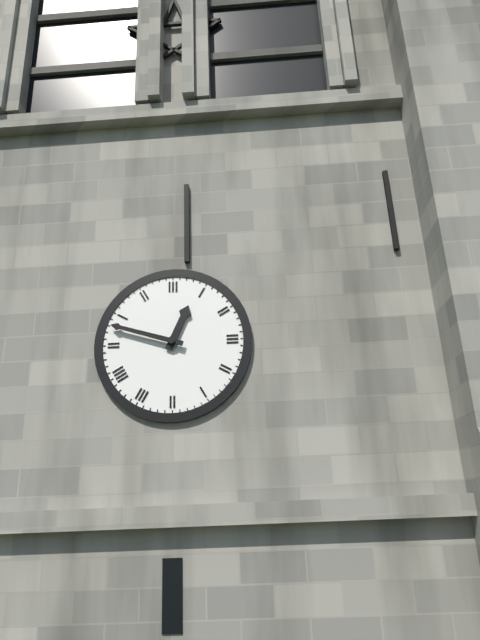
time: 12.48
